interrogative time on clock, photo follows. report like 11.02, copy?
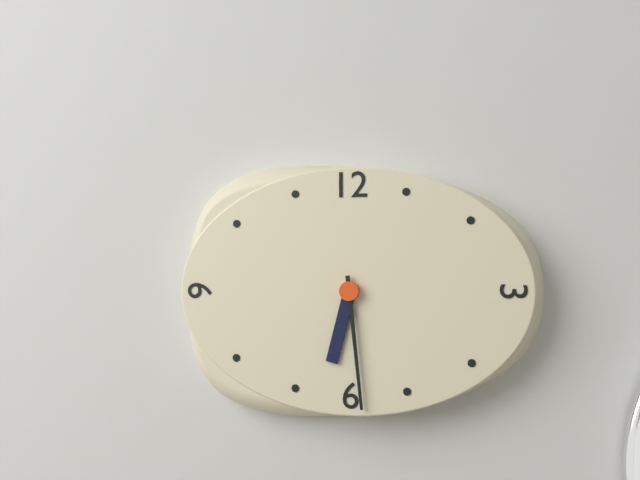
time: 6.29
